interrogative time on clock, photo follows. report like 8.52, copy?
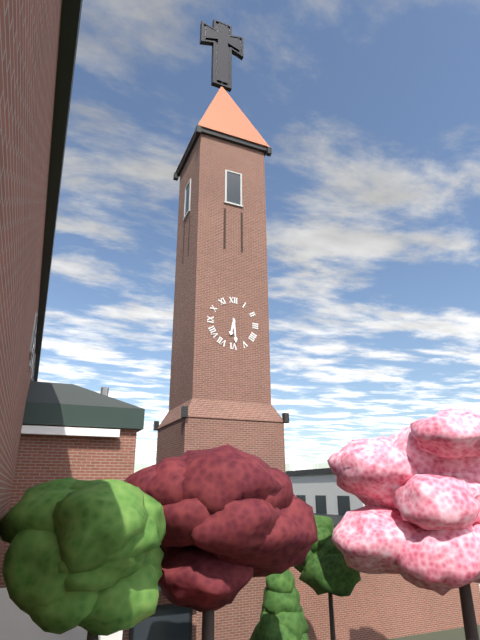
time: 6.29
